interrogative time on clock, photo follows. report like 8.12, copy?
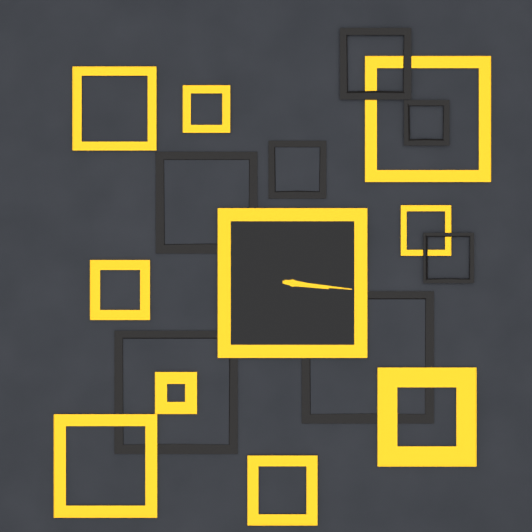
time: 3.16
